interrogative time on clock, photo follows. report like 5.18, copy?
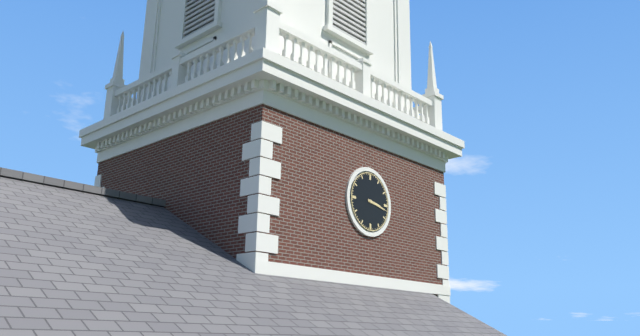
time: 3.17
